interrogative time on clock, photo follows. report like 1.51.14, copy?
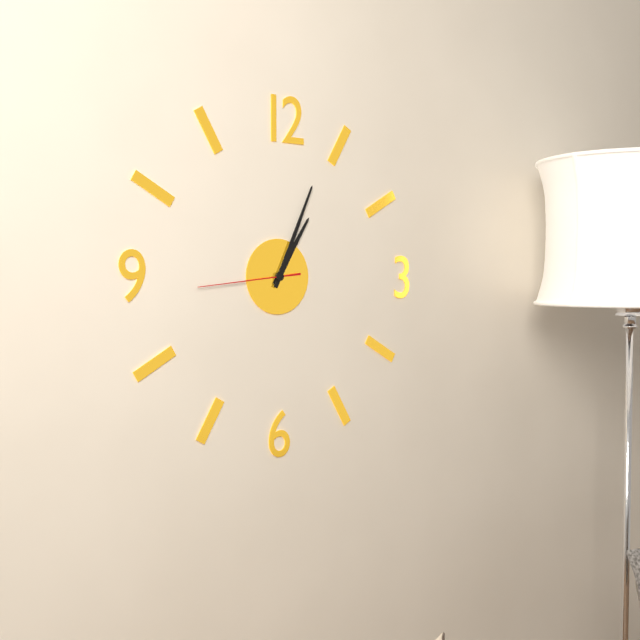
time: 1.04.44
